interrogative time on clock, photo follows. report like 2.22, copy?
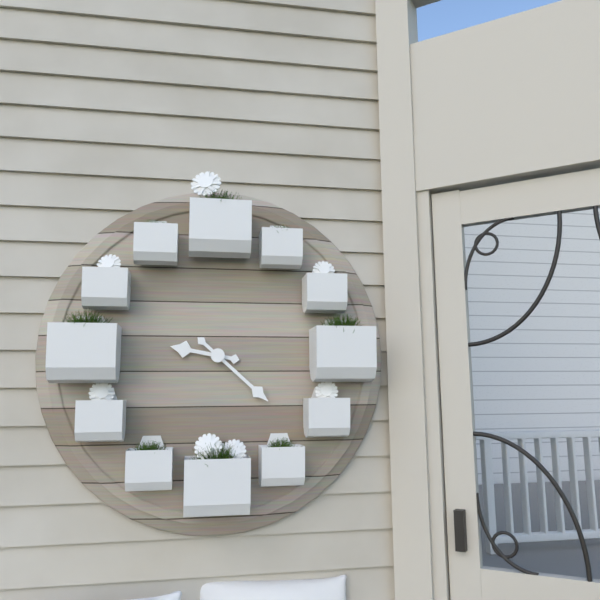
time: 9.22
